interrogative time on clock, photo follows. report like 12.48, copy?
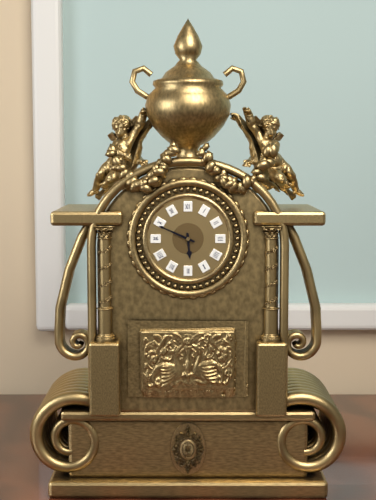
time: 5.49
